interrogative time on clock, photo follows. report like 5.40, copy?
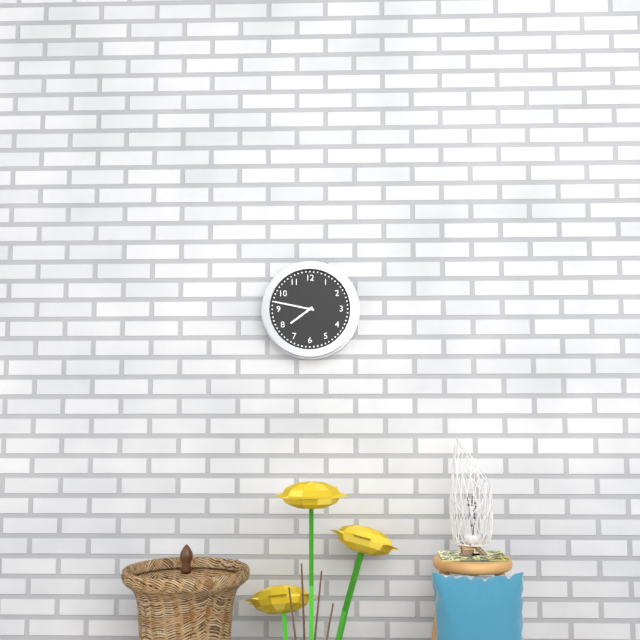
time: 7.47
